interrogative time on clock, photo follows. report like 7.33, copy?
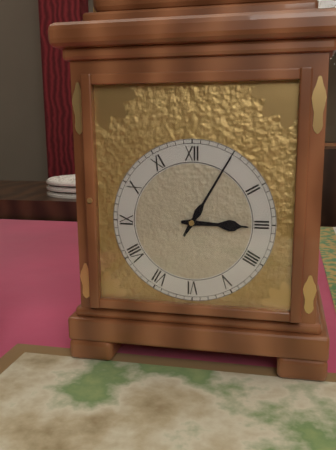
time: 3.05
